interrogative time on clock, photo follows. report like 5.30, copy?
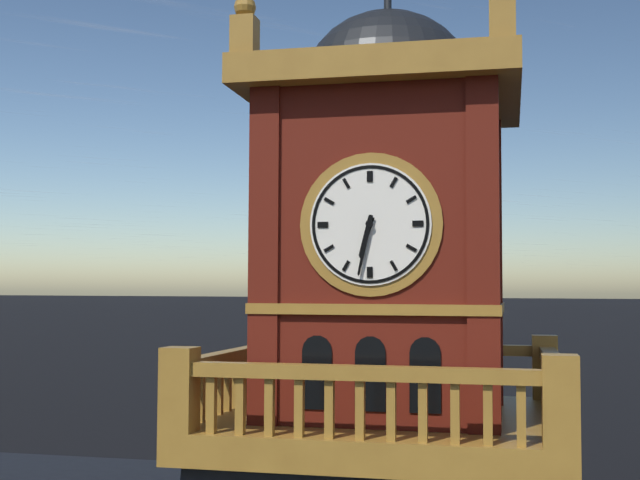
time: 6.32
